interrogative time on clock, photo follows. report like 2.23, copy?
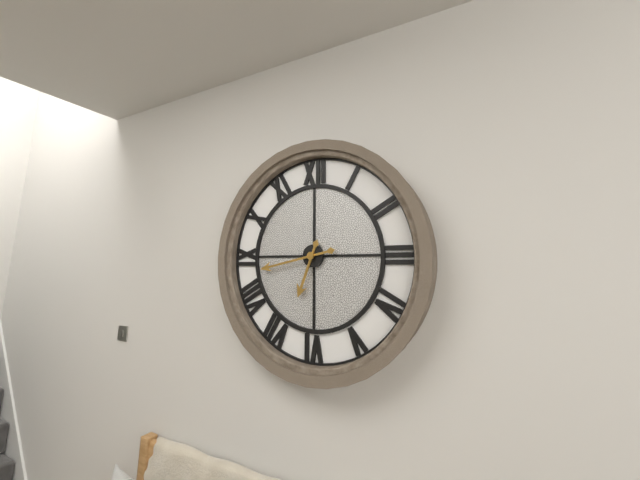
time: 6.43
